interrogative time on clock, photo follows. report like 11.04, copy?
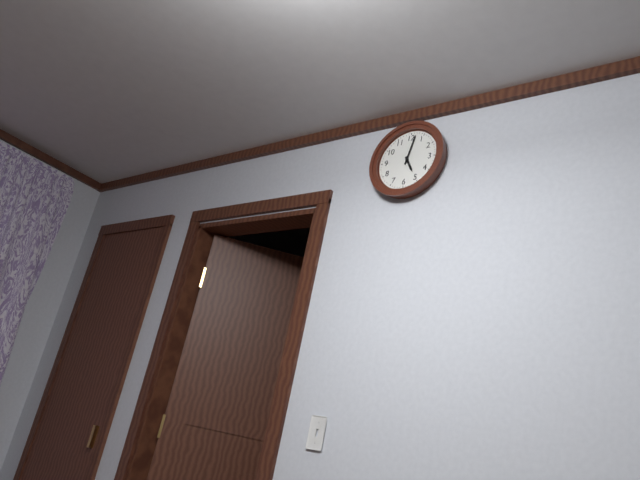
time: 5.02
